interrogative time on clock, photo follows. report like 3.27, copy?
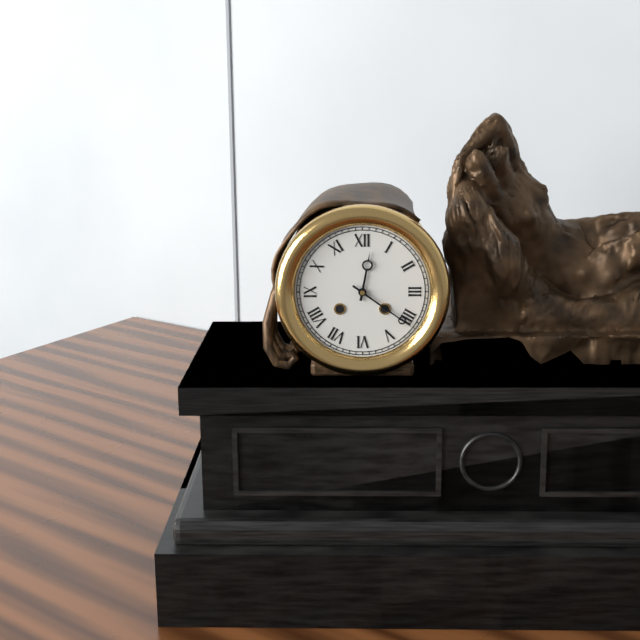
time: 12.21
